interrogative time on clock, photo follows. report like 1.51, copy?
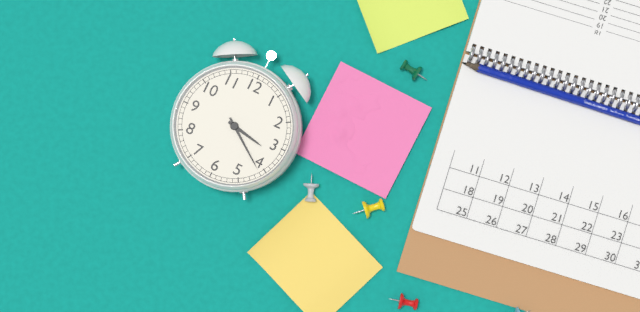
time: 3.21
